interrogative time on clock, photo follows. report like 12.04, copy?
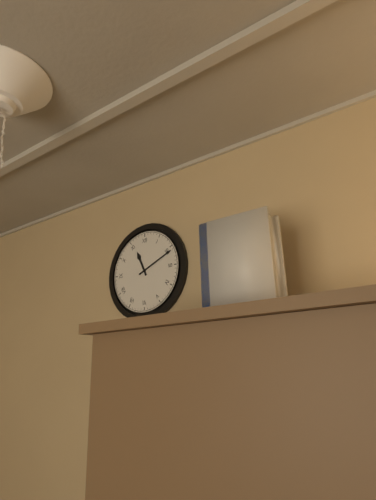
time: 11.11
